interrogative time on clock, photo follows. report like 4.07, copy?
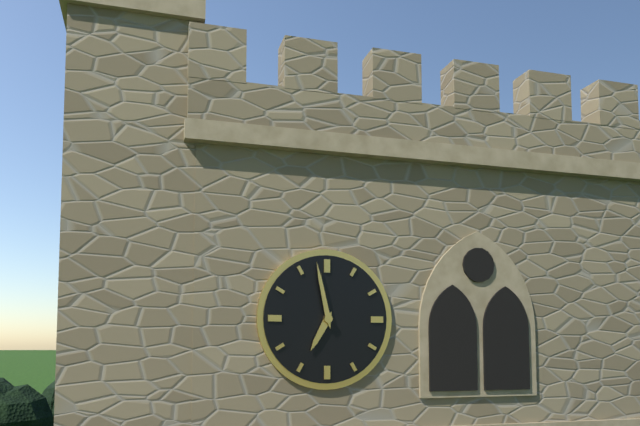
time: 6.58
